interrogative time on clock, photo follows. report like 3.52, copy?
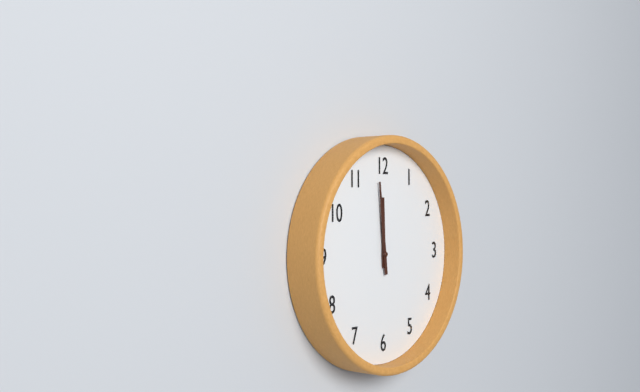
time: 11.59
